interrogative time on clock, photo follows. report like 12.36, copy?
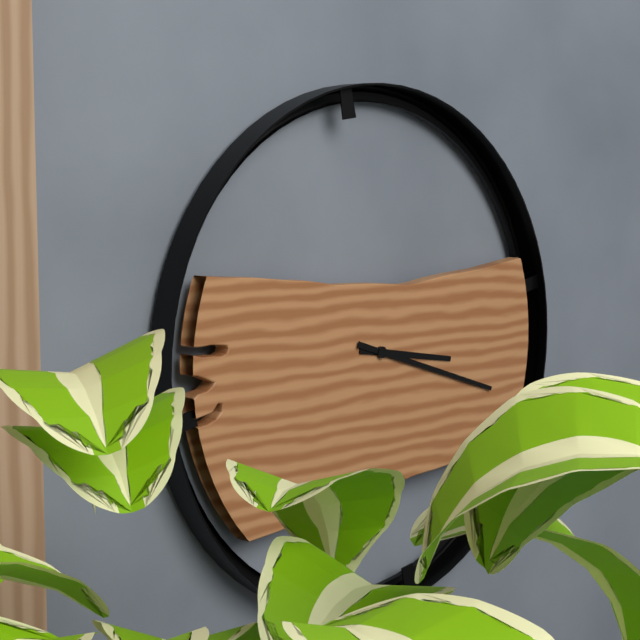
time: 3.18
